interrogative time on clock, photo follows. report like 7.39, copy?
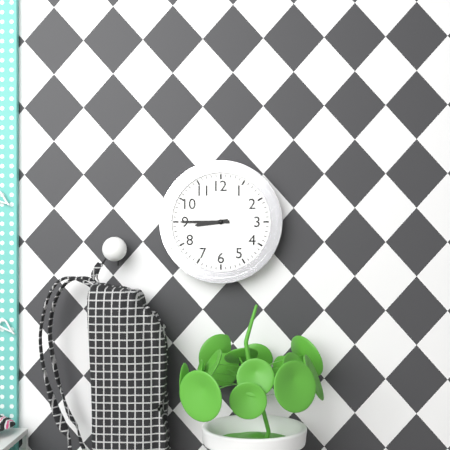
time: 8.45
